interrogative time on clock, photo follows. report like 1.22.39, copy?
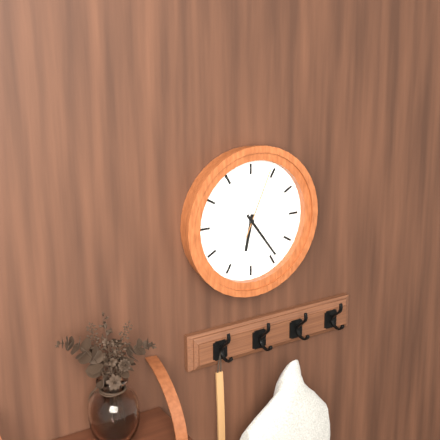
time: 6.24.04
